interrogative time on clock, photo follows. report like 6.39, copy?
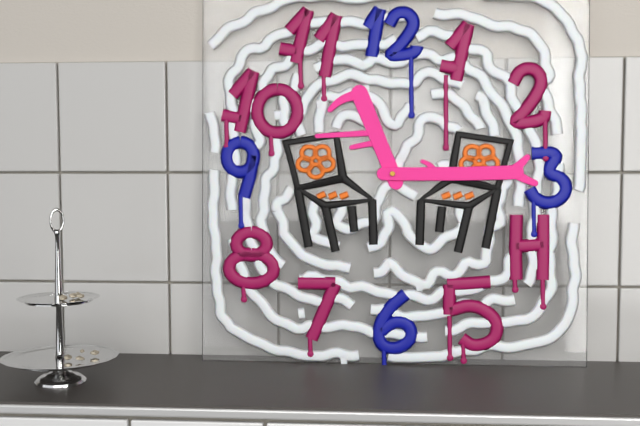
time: 11.15
